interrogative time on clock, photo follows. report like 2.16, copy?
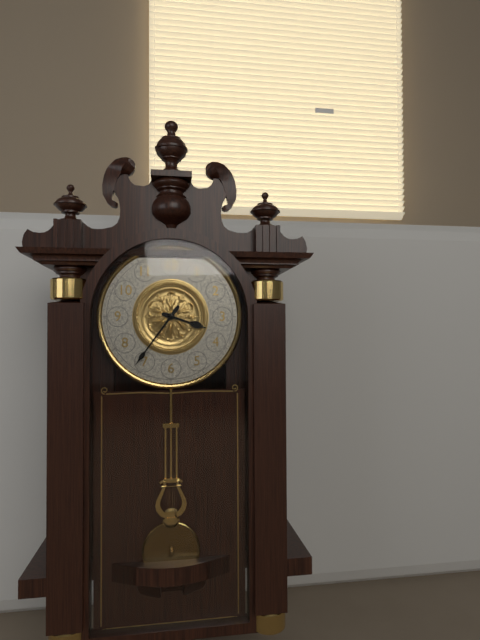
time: 3.36
